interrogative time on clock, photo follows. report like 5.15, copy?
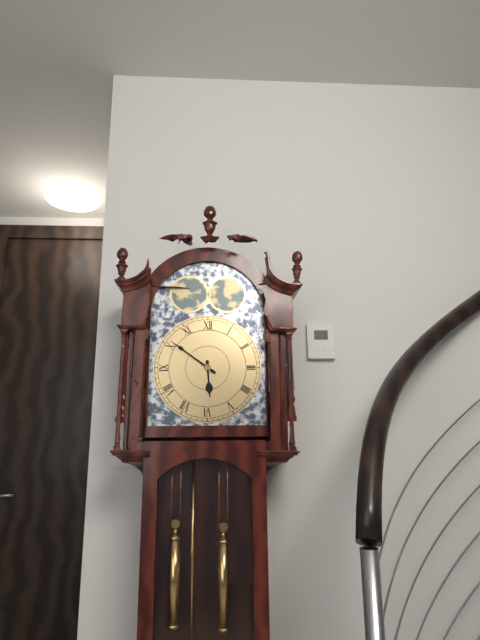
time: 5.51
